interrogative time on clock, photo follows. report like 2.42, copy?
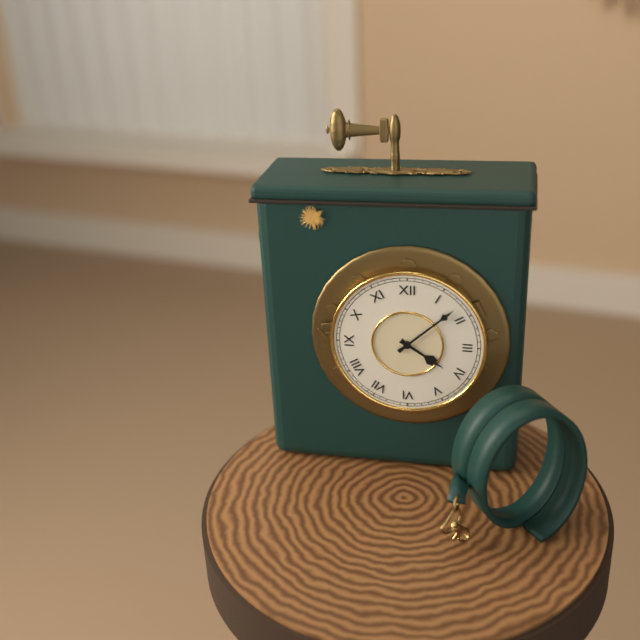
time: 4.08
